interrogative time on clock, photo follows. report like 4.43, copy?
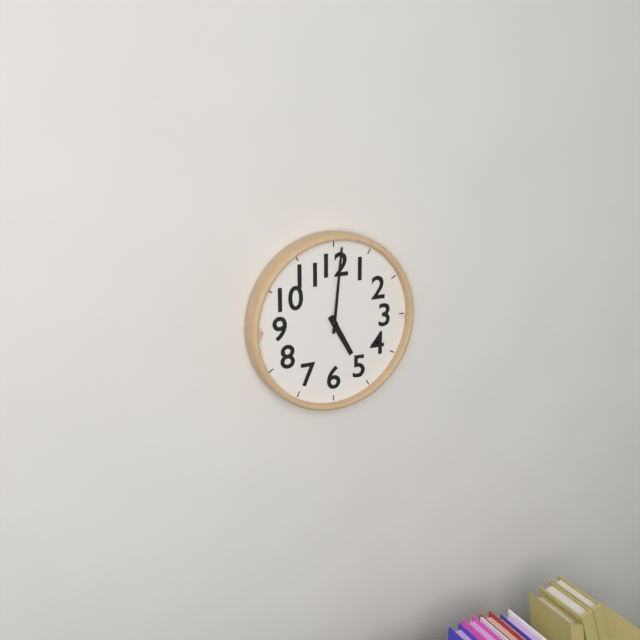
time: 5.01
